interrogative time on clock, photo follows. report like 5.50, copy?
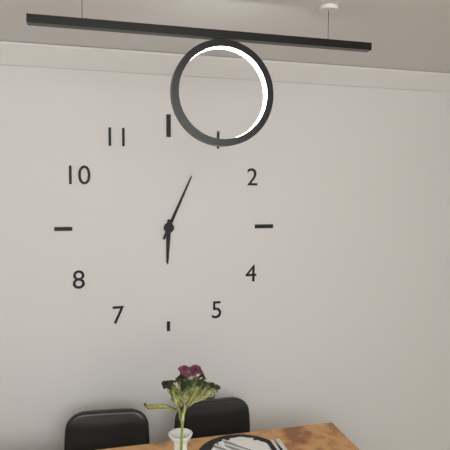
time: 6.04
